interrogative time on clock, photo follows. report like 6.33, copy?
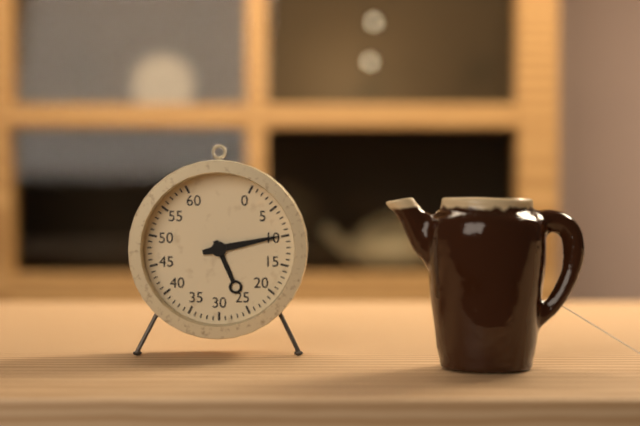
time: 5.13
